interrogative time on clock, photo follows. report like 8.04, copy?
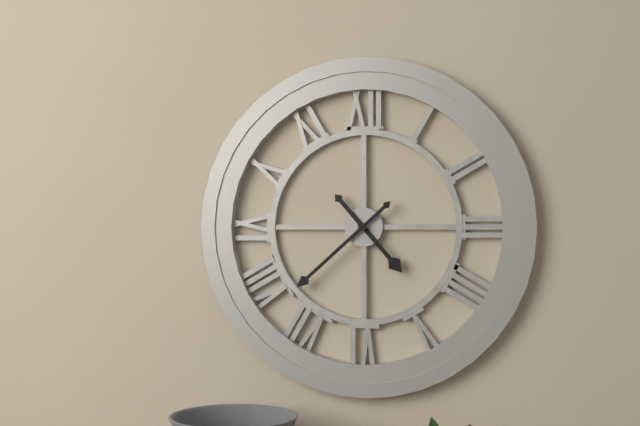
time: 4.38
